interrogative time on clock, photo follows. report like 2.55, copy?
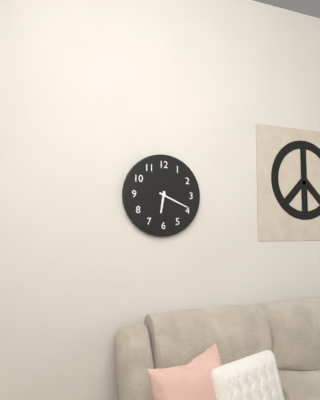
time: 6.19
